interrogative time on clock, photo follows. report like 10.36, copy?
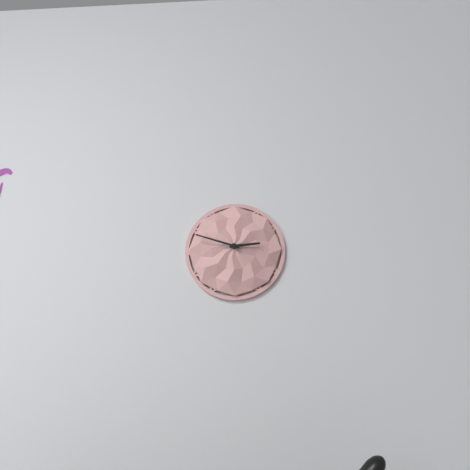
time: 2.48
